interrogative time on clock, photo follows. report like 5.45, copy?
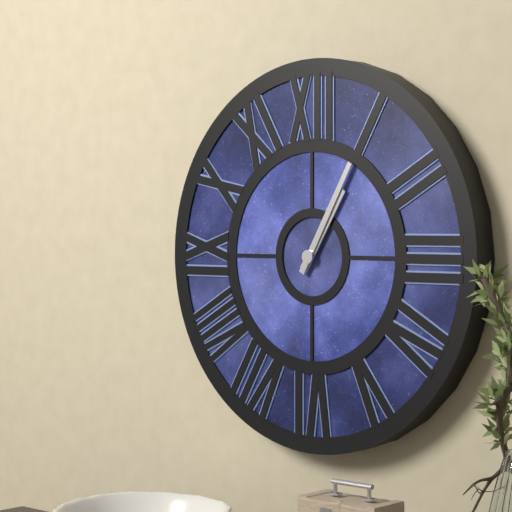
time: 1.05
